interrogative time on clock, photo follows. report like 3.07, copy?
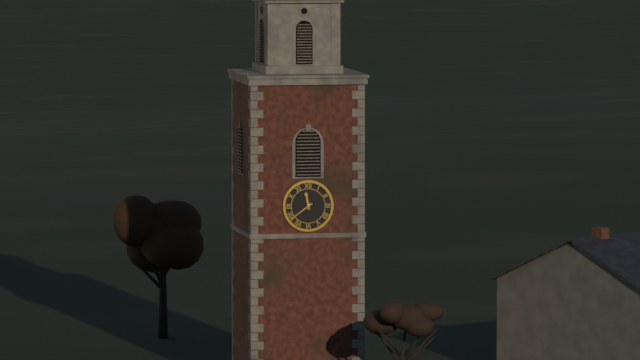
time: 11.39
